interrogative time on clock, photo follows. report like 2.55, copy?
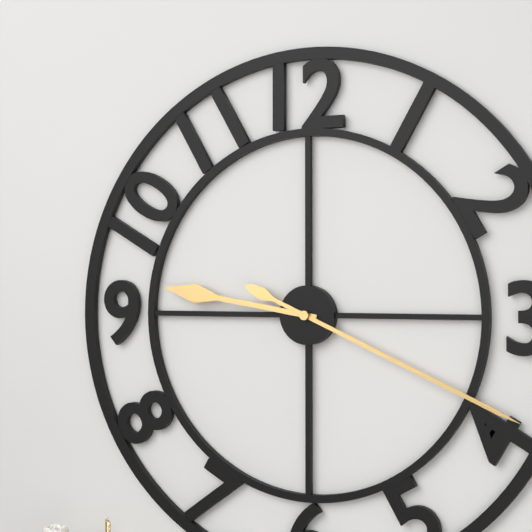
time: 9.19
